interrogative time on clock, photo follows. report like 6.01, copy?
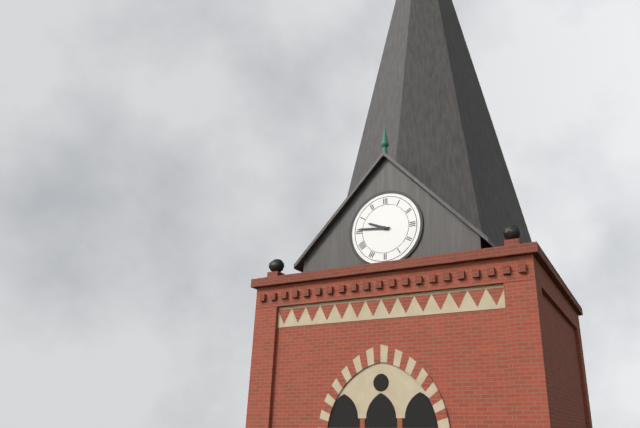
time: 9.46
